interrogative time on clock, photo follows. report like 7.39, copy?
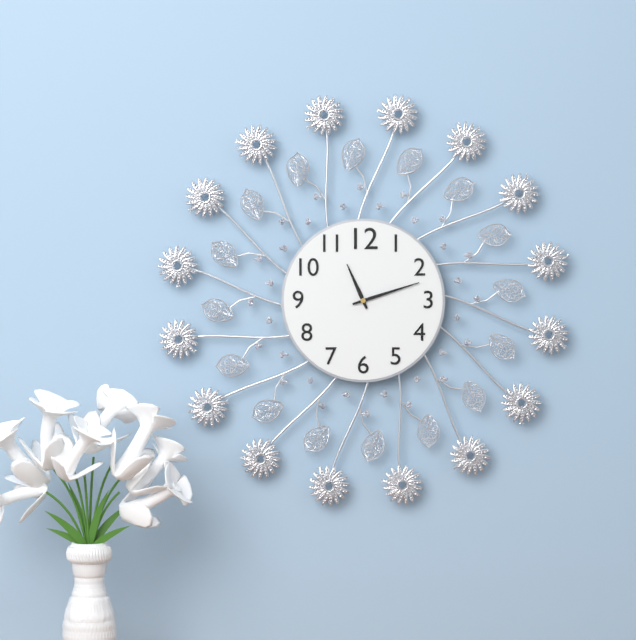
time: 11.12
